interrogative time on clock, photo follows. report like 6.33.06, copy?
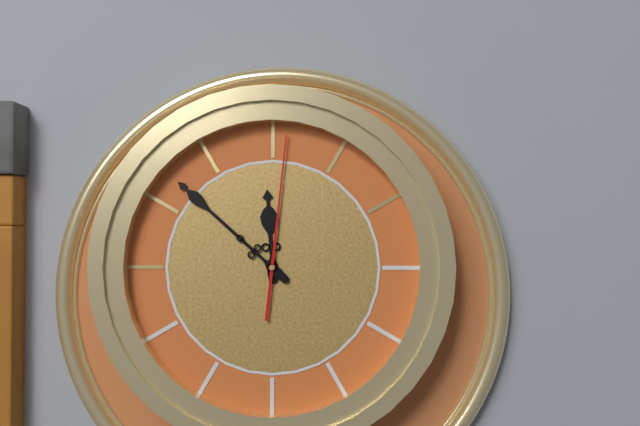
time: 11.52.01
